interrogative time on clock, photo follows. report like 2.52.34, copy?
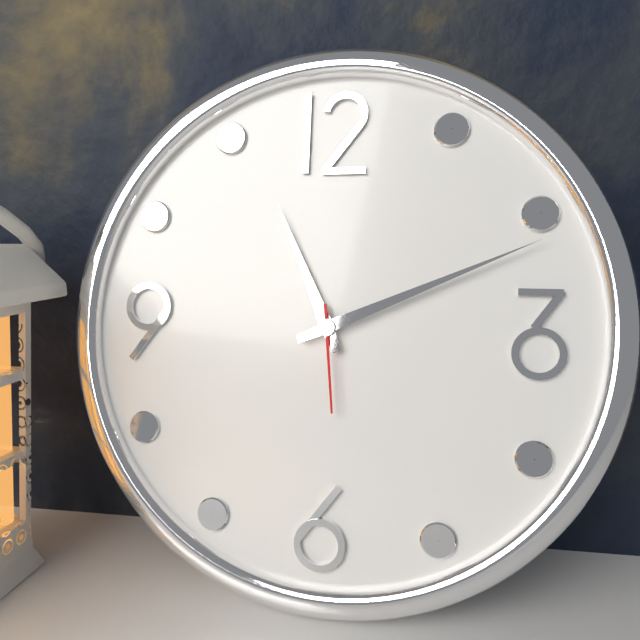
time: 11.11.29
